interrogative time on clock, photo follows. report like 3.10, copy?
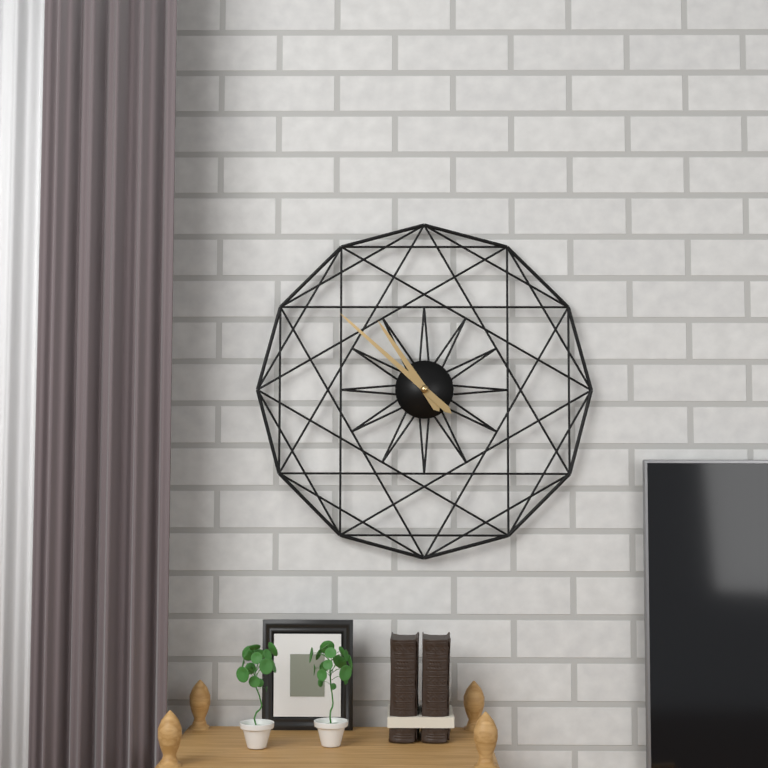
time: 10.52
